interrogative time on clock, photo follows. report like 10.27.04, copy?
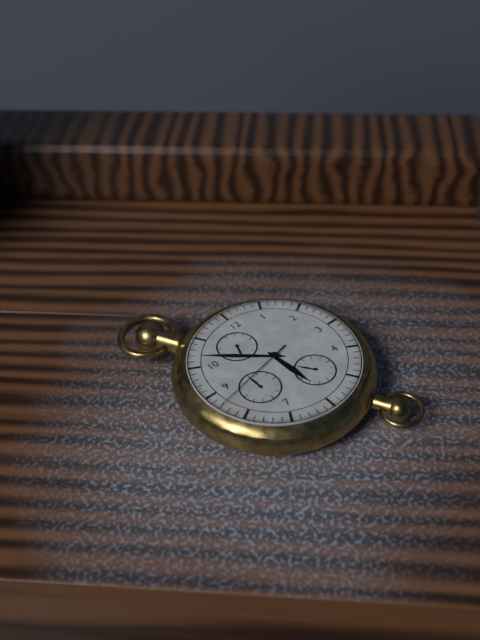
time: 5.52.43
